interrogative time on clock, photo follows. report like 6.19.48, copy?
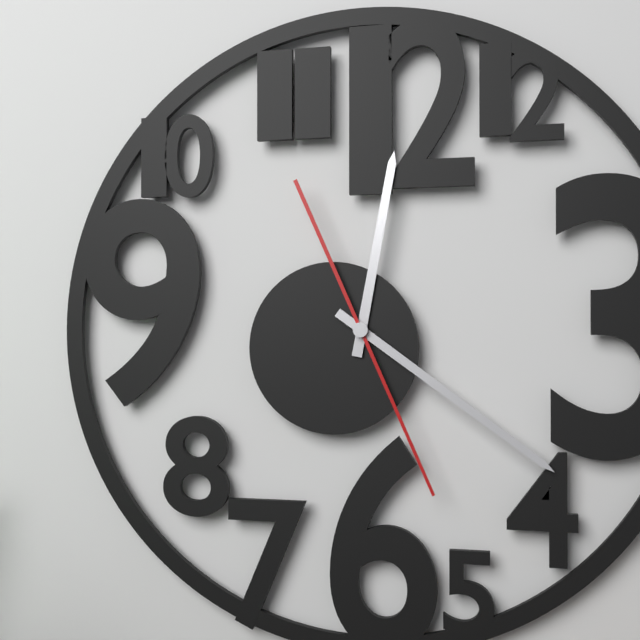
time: 12.21.26
